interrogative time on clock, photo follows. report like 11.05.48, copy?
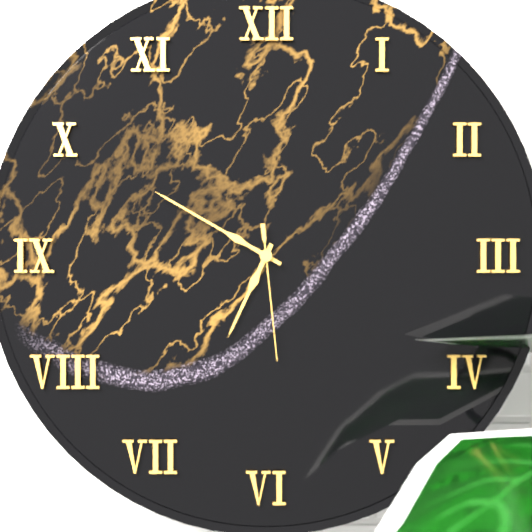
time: 6.50.29
